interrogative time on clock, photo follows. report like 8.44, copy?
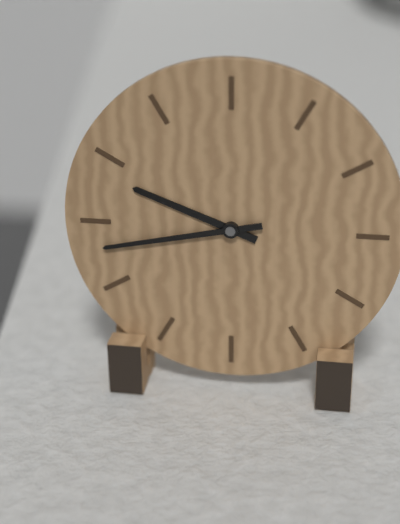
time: 9.43
